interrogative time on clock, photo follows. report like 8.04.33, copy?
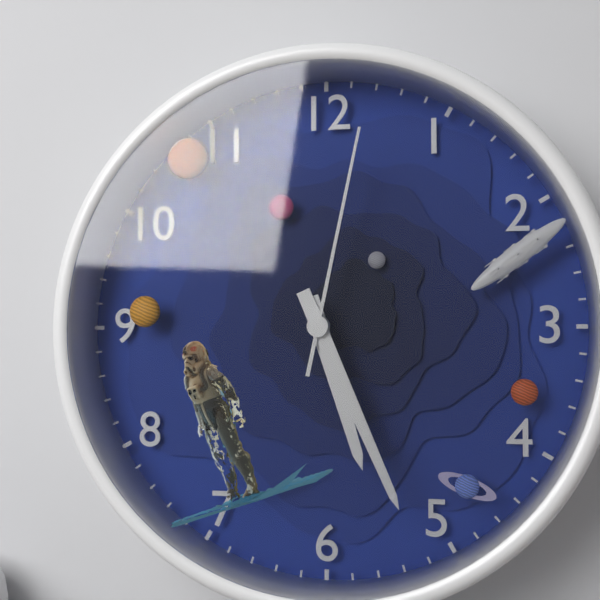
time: 5.26.02
